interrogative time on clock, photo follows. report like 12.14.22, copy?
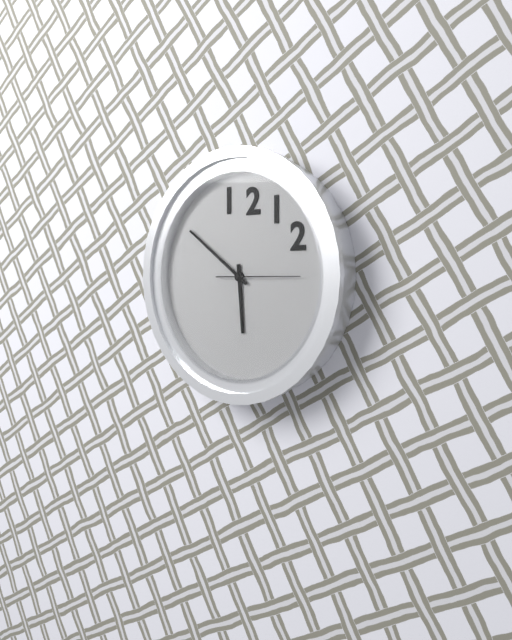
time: 5.51.15
